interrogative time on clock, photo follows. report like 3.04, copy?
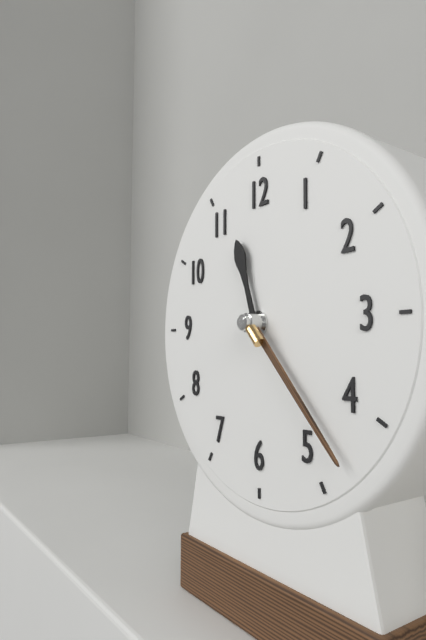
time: 11.23
